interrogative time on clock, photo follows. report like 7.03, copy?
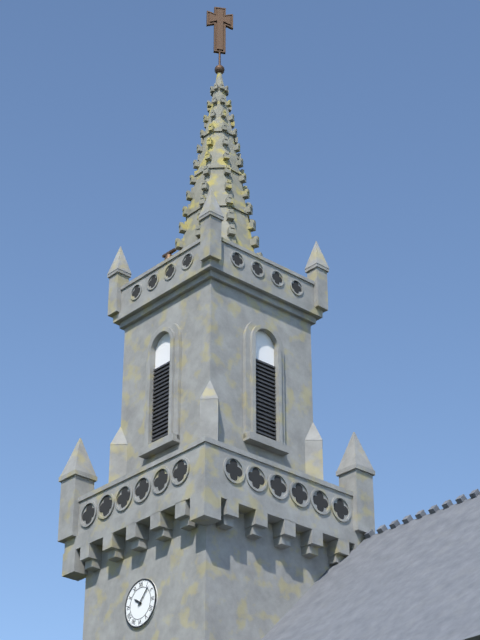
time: 10.07
